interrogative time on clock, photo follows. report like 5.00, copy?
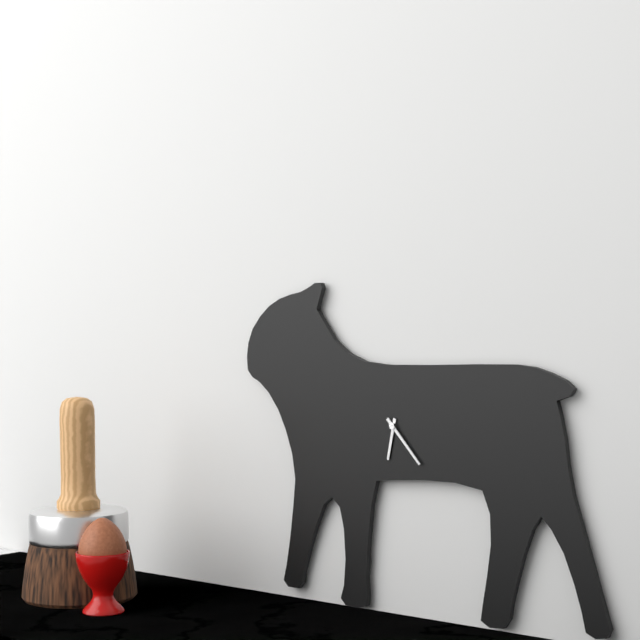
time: 6.23
